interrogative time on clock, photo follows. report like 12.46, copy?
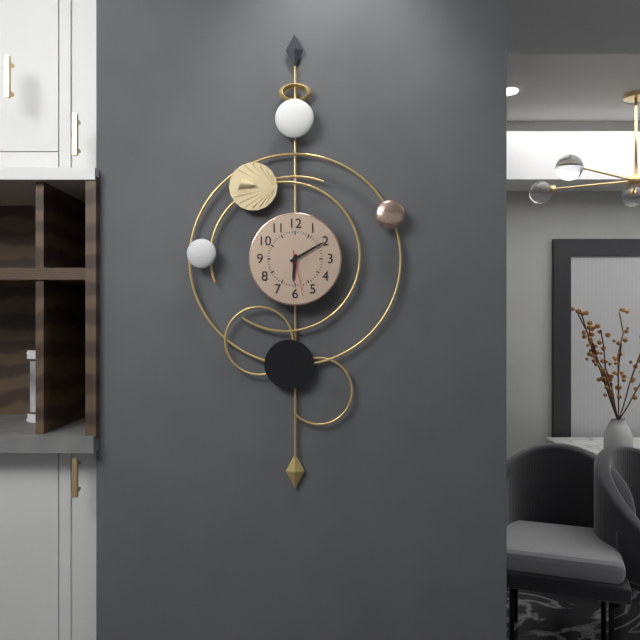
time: 6.10
